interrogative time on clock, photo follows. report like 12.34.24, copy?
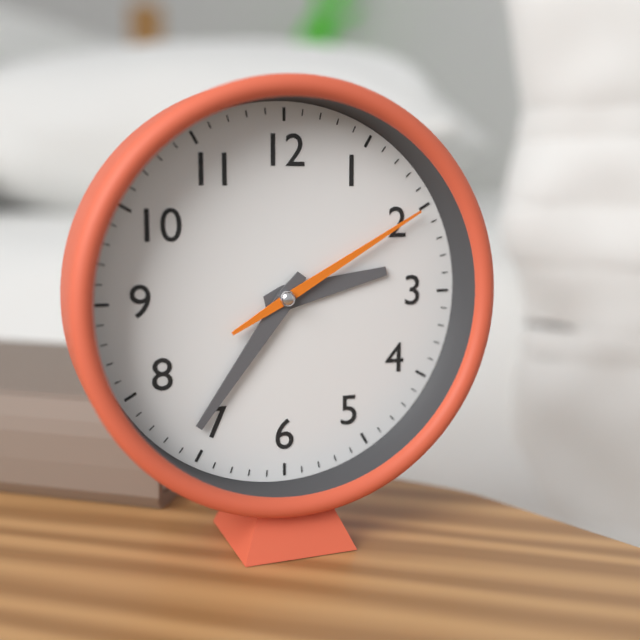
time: 2.36.10
